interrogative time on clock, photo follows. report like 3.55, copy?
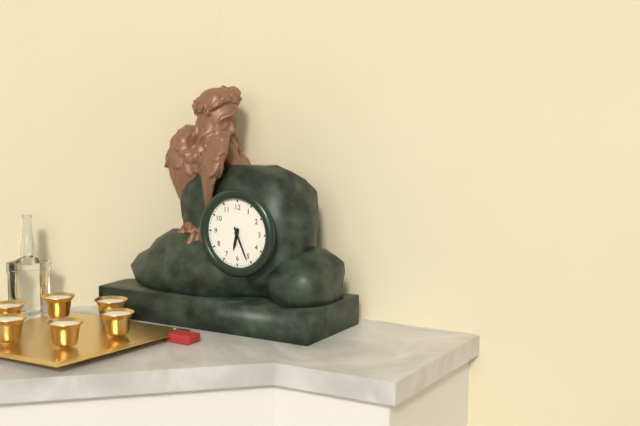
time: 6.26
